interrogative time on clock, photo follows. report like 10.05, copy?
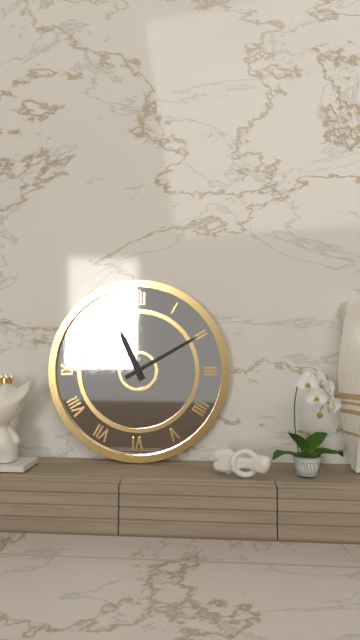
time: 11.10
